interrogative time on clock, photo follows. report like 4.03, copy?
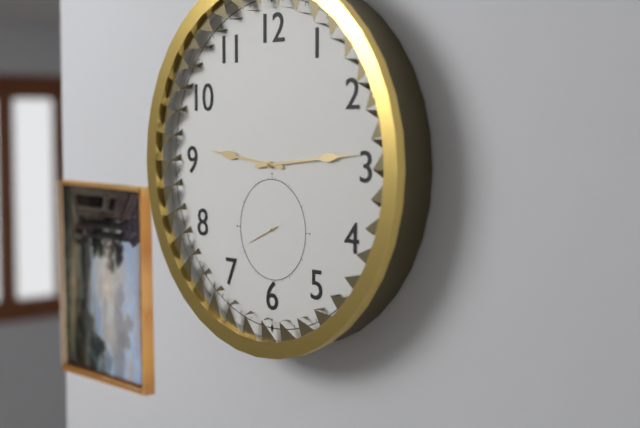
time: 9.14
